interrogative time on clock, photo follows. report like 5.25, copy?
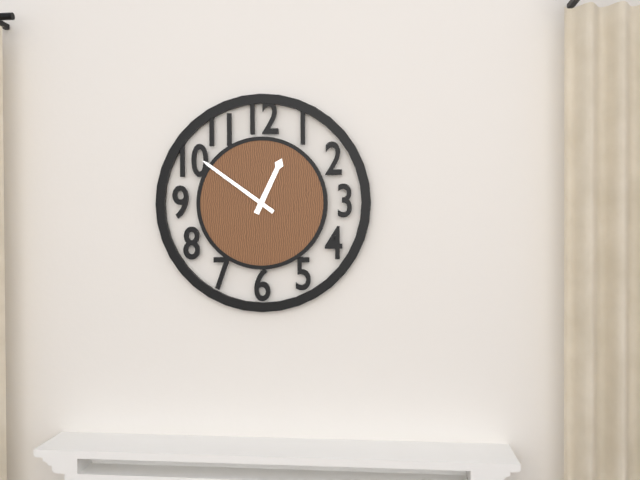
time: 12.51
